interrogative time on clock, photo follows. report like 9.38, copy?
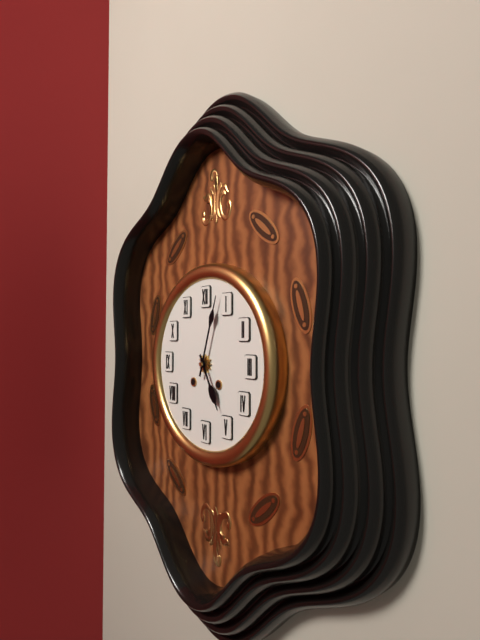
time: 5.03
